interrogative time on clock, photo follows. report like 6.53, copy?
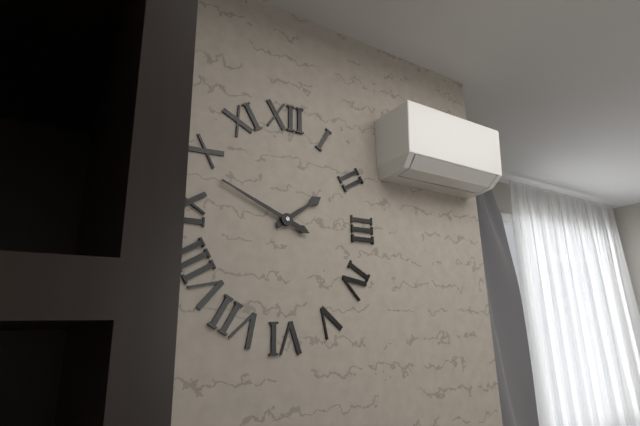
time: 1.49
